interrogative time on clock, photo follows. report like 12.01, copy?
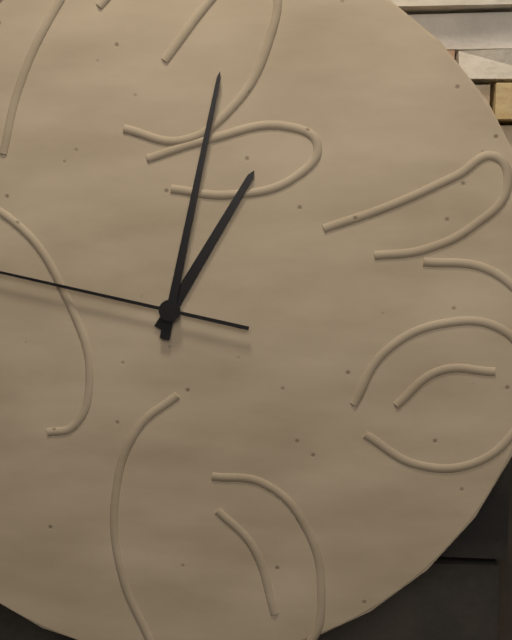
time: 1.02
